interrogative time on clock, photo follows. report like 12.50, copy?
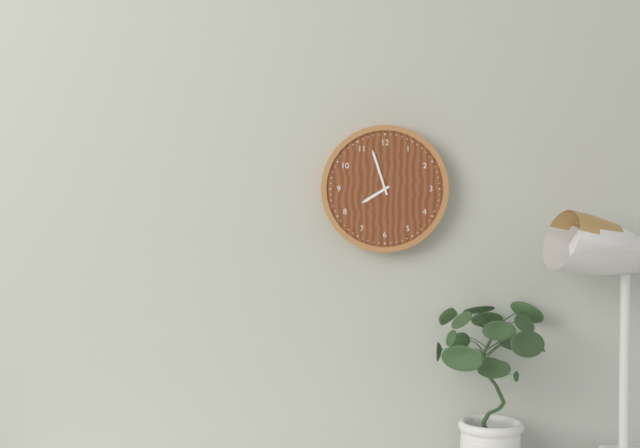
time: 7.57
